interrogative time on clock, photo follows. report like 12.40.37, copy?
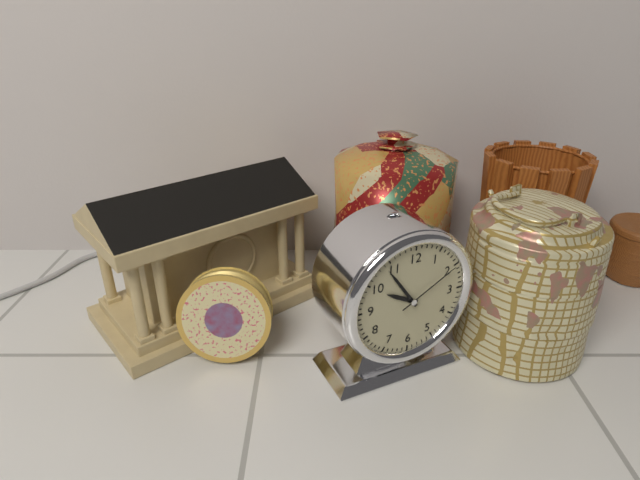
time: 9.54.10
